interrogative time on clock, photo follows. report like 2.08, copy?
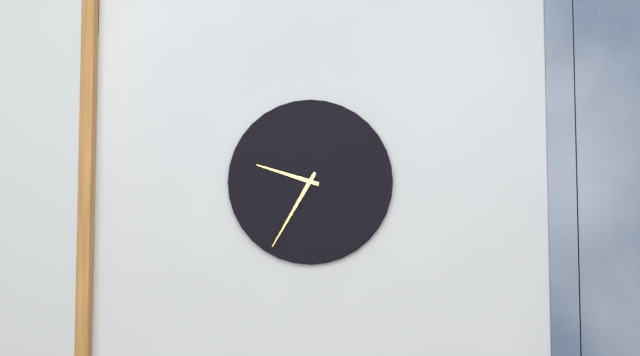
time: 9.35
